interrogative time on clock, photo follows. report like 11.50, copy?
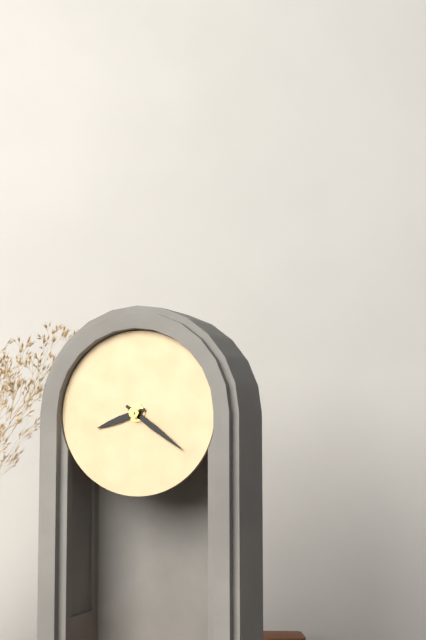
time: 8.21
